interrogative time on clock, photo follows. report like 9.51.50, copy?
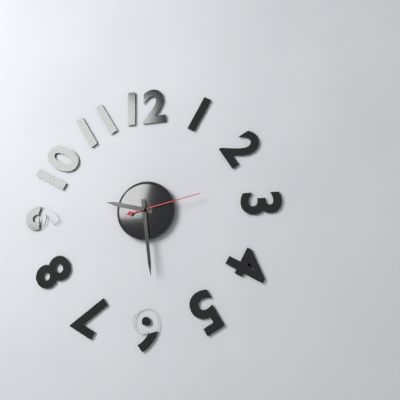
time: 9.29.13
